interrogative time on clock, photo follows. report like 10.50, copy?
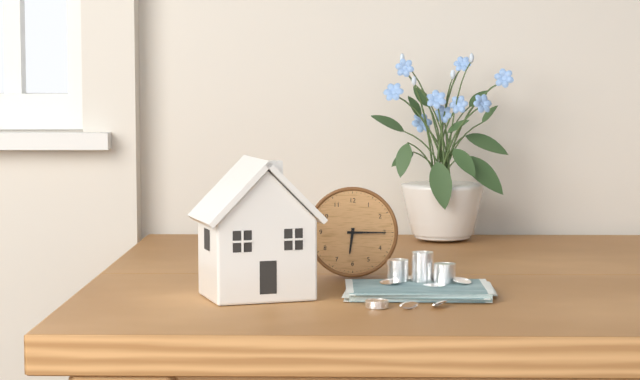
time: 6.15
